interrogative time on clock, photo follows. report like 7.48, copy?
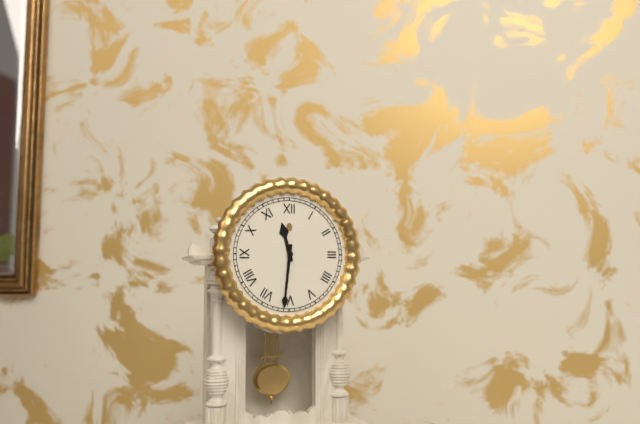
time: 11.31
